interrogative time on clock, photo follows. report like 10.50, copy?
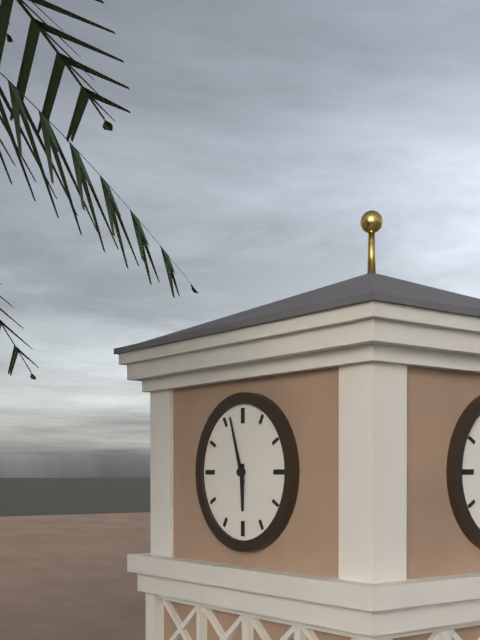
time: 5.57
